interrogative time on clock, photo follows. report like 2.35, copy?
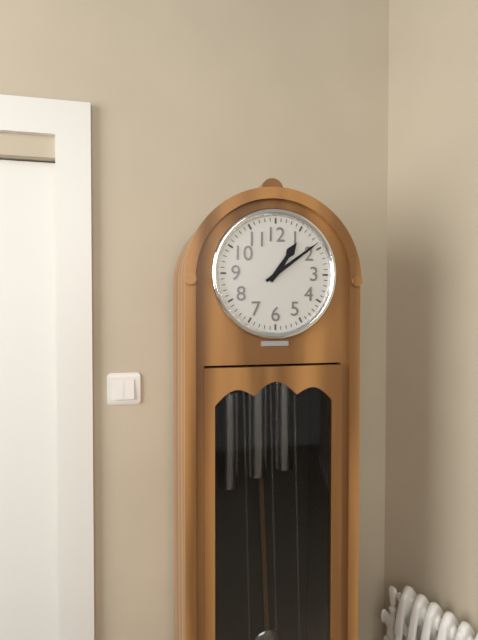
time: 1.09
